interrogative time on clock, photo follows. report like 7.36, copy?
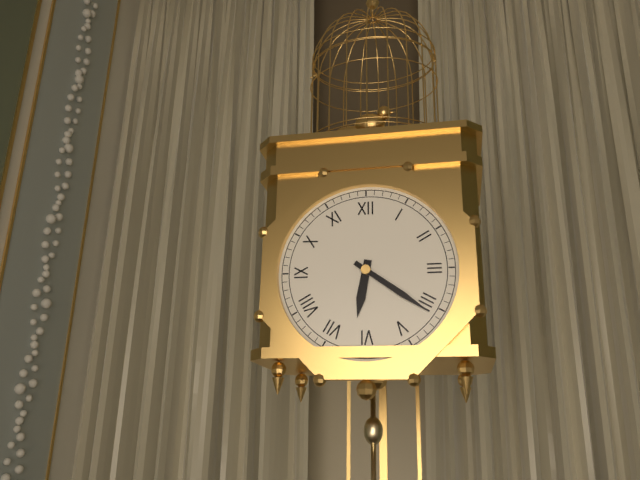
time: 6.21
